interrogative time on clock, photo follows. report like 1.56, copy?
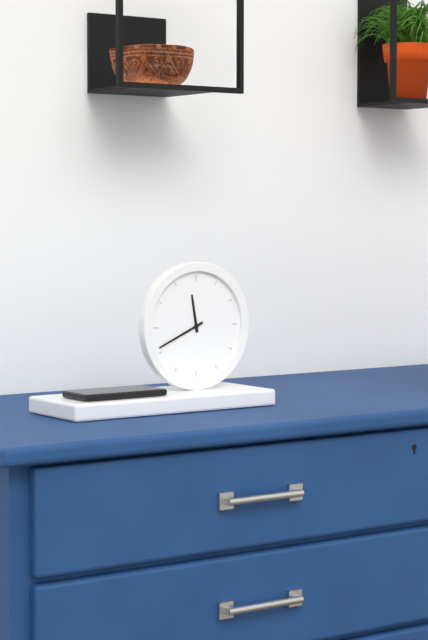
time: 11.41
